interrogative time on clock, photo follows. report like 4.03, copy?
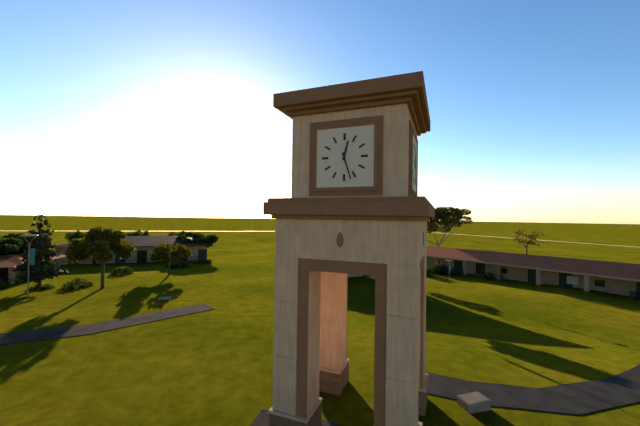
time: 12.27
